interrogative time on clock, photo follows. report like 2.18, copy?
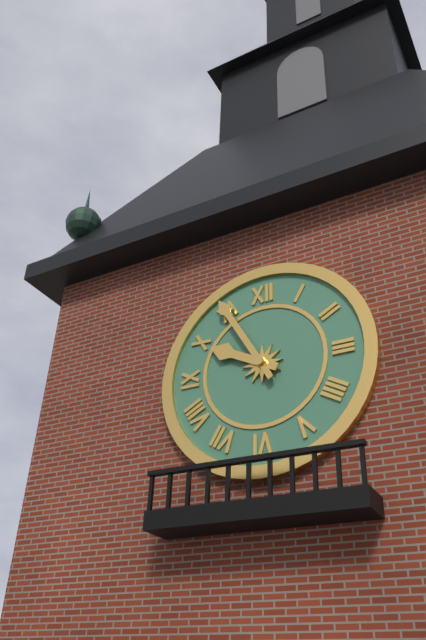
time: 9.55
